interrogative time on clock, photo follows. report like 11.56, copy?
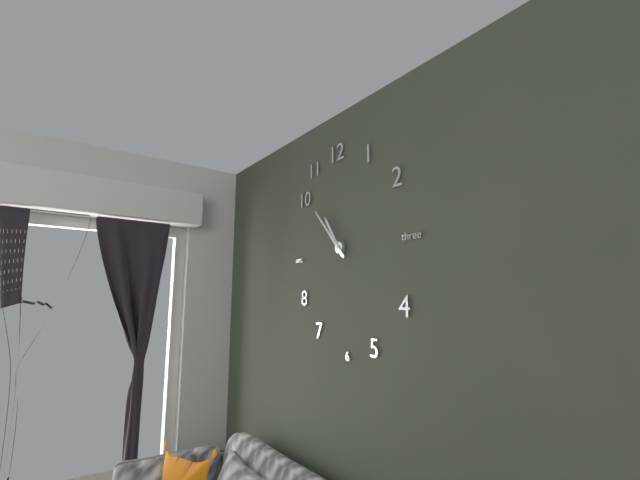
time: 10.53
